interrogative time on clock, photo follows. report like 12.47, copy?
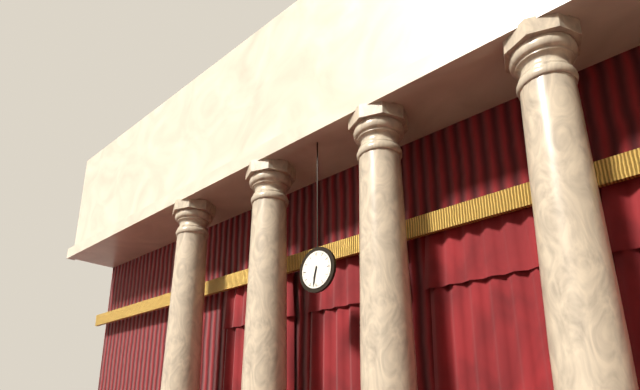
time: 6.32
